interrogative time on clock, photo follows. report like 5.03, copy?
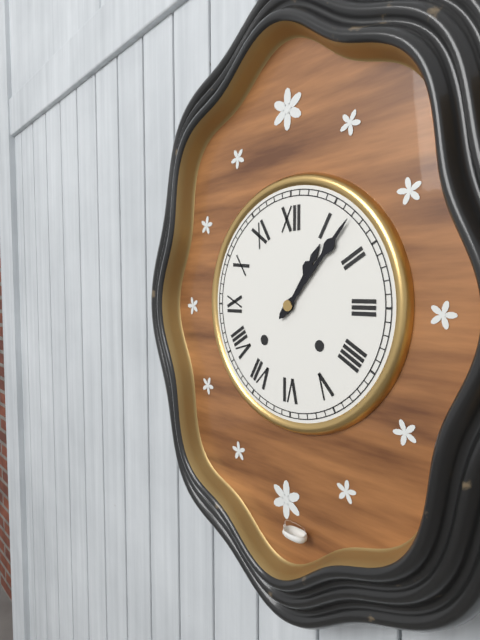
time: 1.07
